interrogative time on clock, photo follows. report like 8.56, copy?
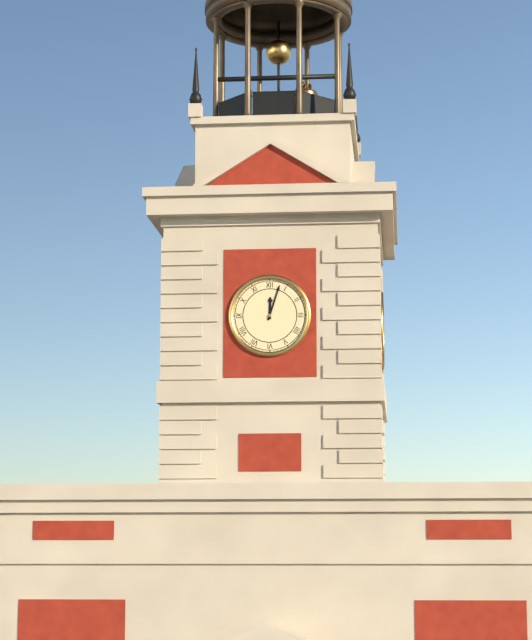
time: 12.03
